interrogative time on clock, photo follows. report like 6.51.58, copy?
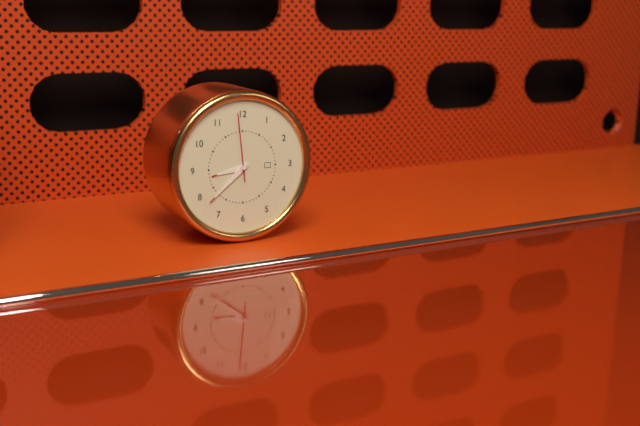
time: 8.38.59
